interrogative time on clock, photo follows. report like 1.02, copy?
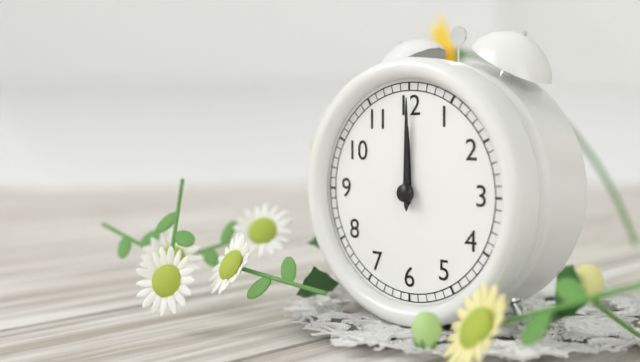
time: 12.00
